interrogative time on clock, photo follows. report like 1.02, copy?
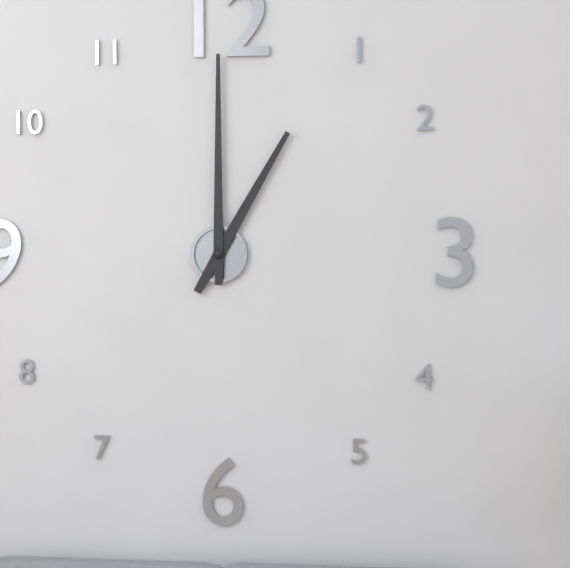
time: 1.00
